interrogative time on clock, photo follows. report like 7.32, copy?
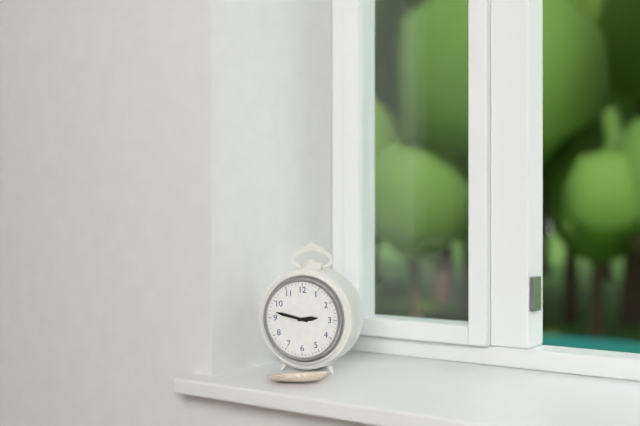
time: 2.47
